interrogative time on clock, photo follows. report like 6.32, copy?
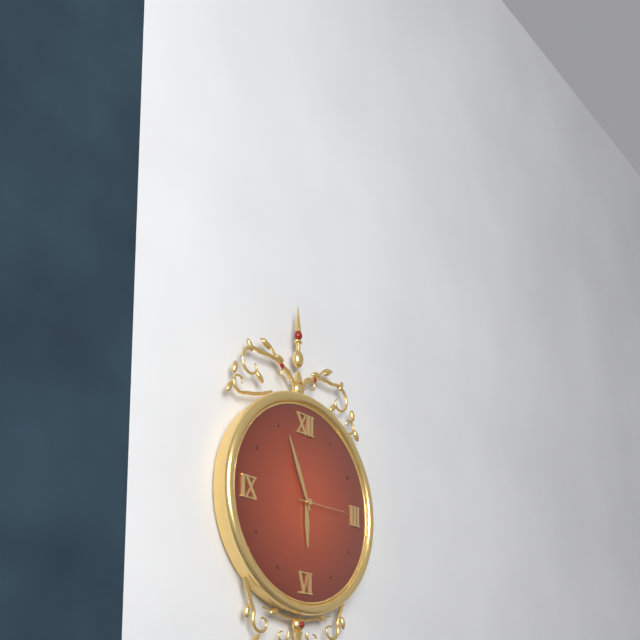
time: 5.56
